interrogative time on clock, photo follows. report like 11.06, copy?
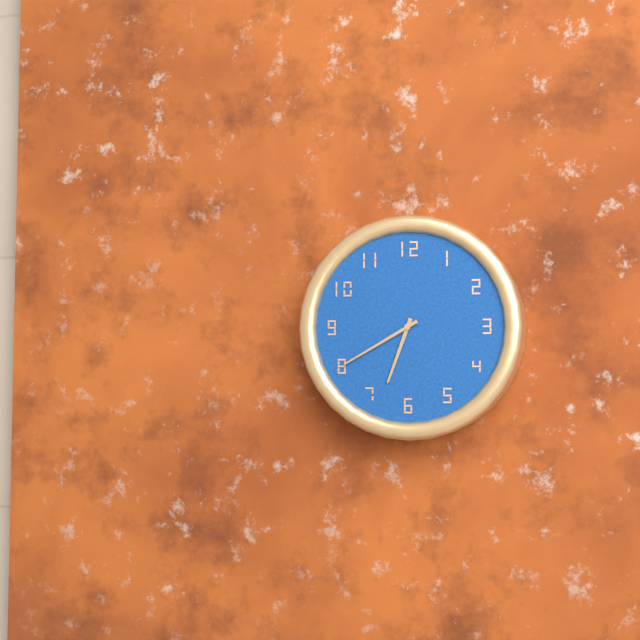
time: 6.40
